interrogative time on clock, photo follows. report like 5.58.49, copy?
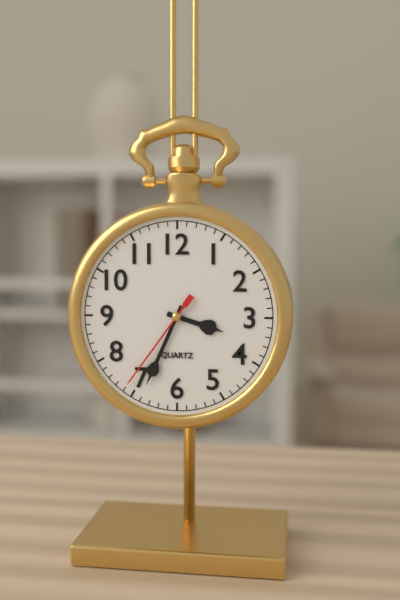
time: 3.34.36
